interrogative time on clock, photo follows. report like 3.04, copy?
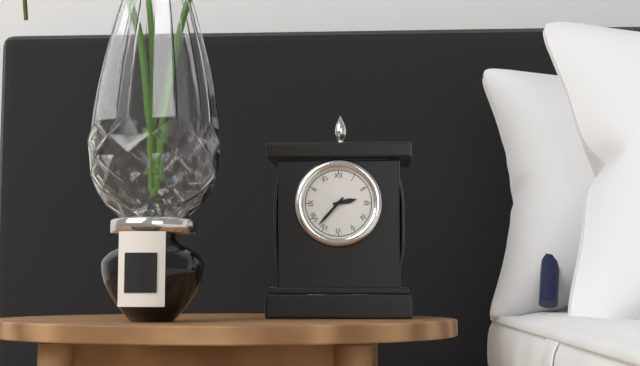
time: 2.37
